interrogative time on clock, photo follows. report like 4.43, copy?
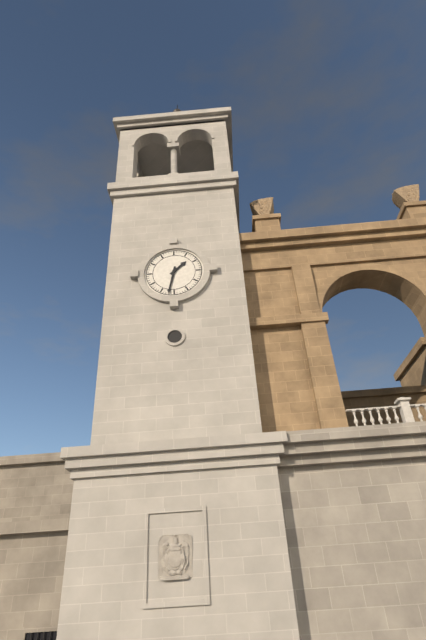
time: 1.32
